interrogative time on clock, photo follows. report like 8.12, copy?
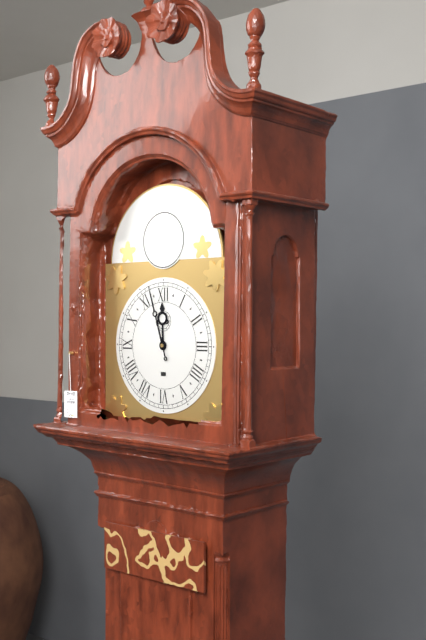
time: 11.57
